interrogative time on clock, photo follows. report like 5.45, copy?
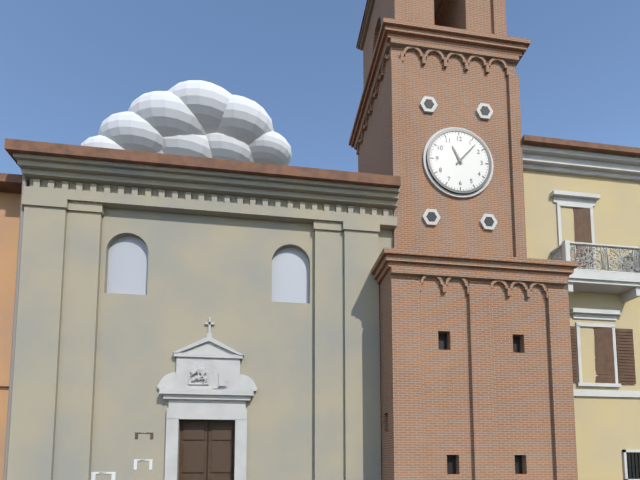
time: 11.07
